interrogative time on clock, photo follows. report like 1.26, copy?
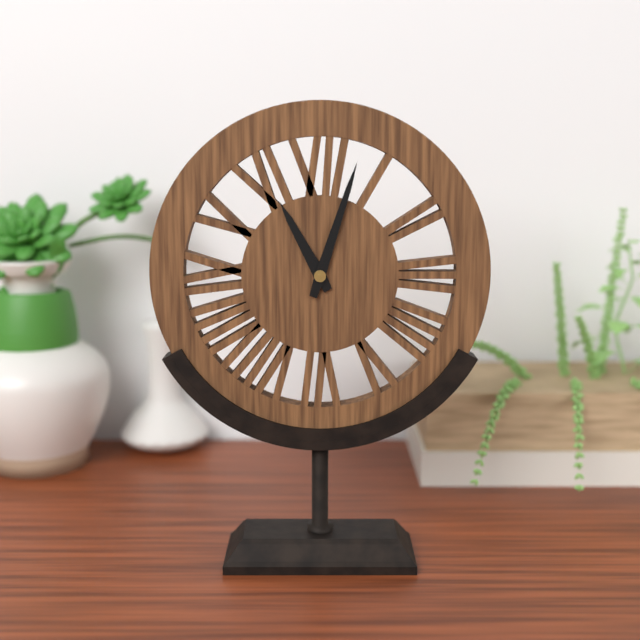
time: 11.03
